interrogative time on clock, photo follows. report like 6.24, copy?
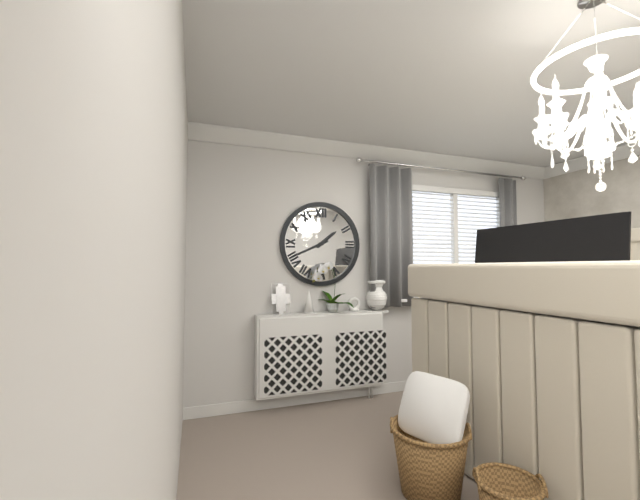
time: 1.41
